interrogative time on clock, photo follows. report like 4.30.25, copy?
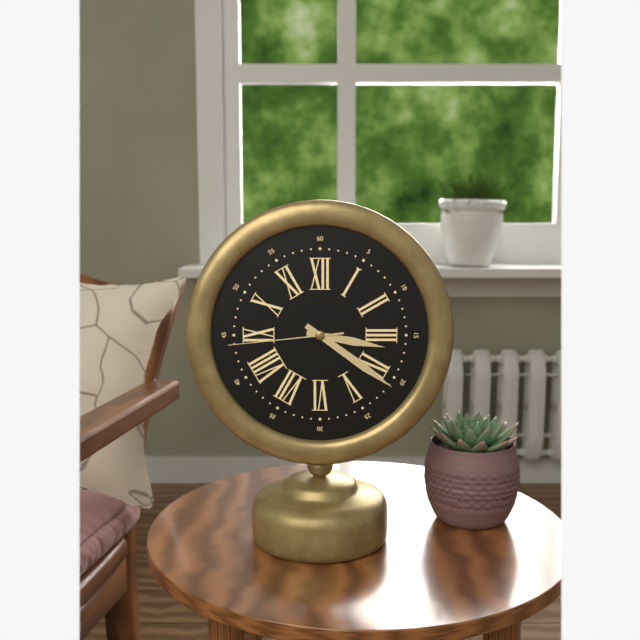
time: 3.21.44
